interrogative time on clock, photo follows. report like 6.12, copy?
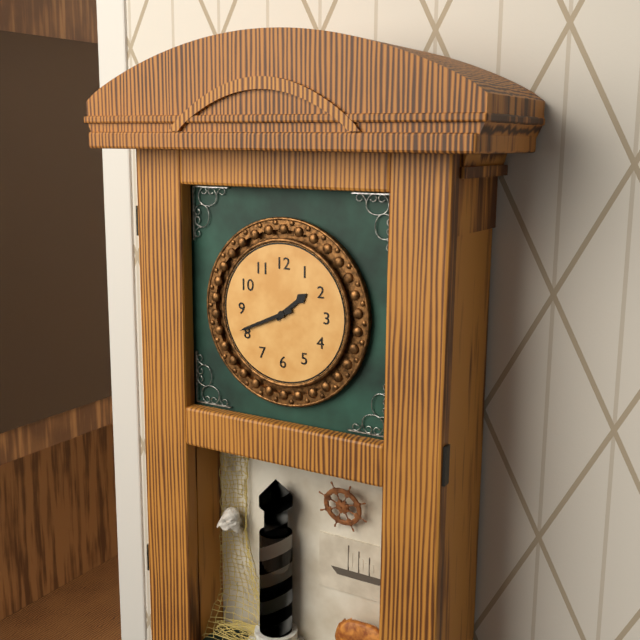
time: 1.41
